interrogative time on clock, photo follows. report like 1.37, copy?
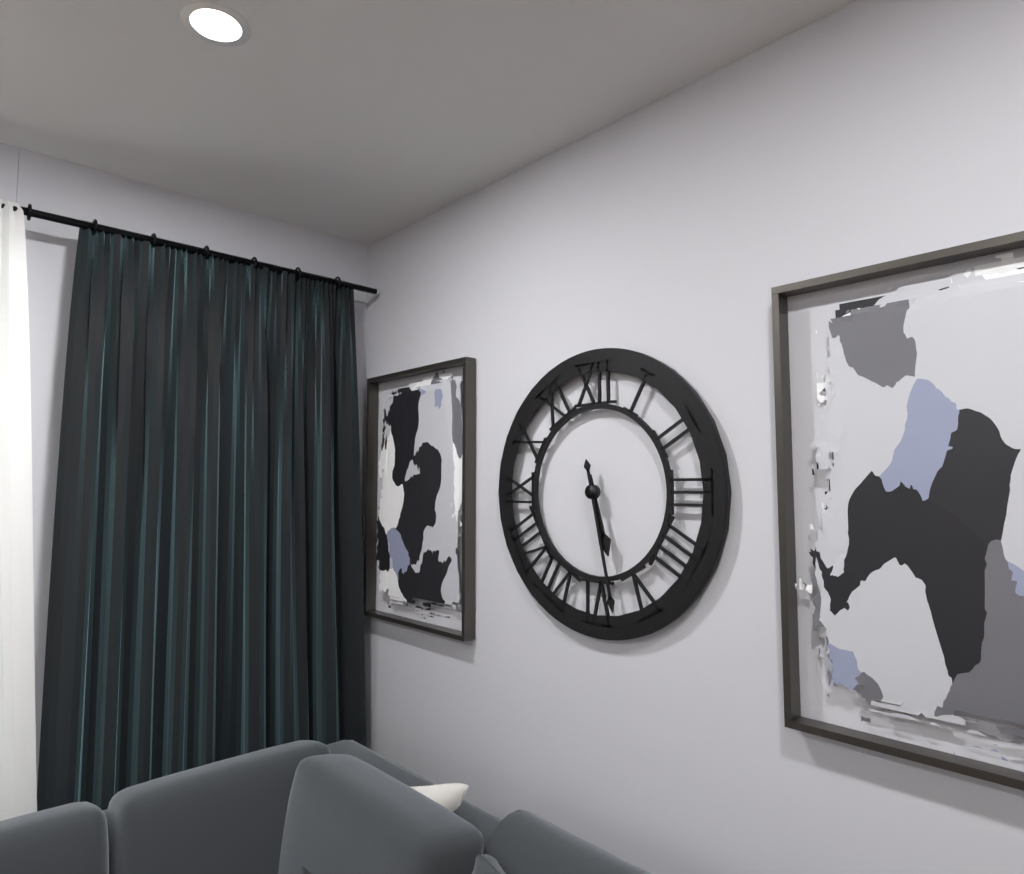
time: 5.28
